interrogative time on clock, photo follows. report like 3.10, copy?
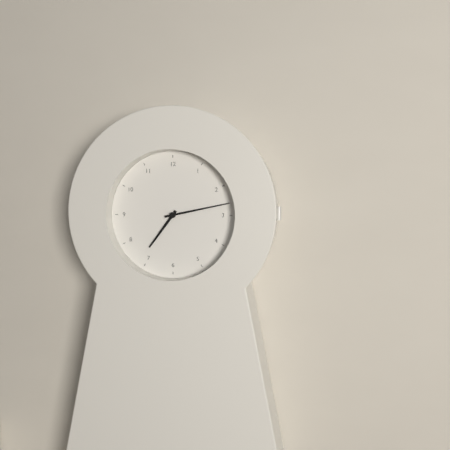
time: 7.13
